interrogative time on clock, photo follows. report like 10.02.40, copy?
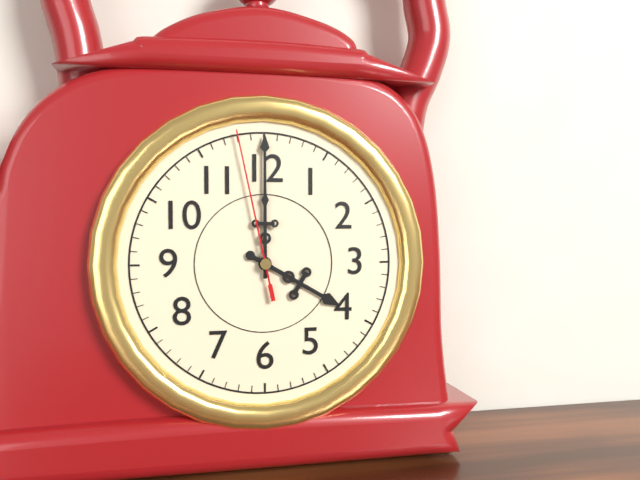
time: 4.00.58
